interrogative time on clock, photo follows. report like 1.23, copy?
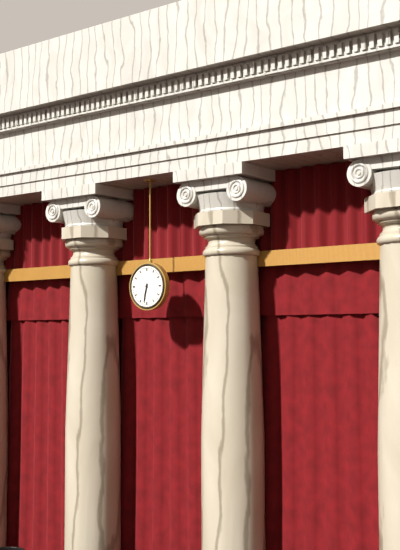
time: 6.32
